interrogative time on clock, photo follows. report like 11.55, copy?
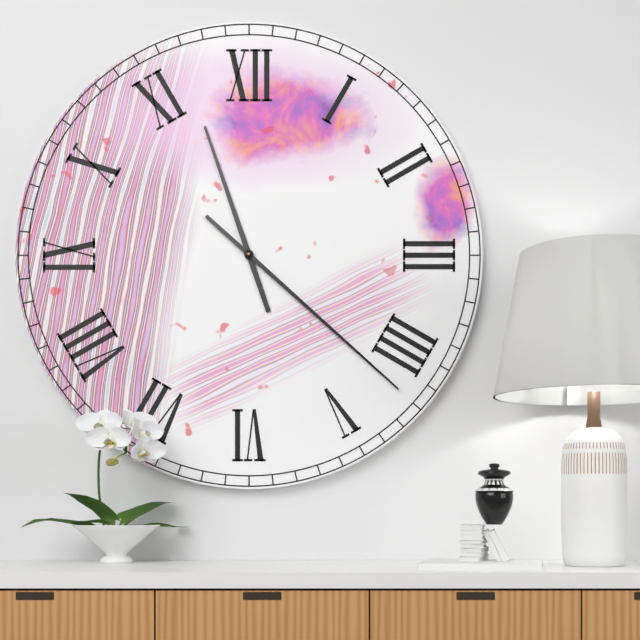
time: 11.22
